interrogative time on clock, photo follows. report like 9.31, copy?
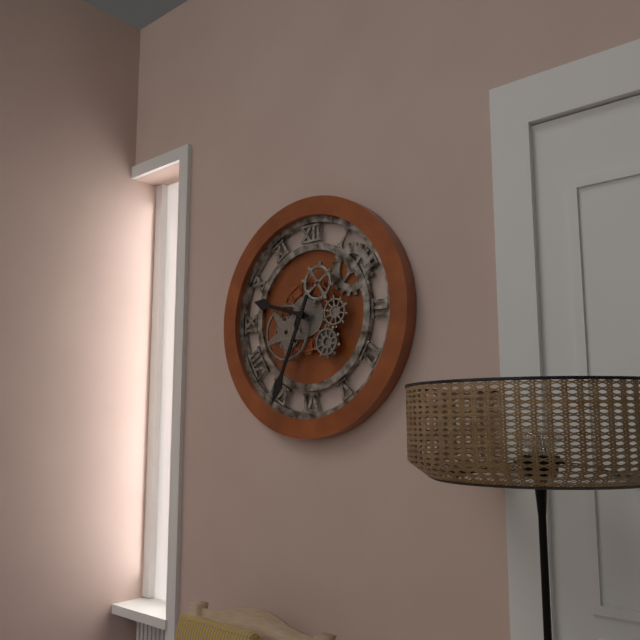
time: 9.34
